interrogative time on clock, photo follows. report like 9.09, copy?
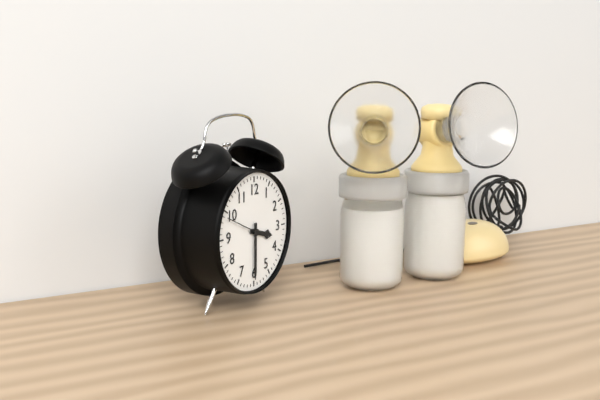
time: 3.30
